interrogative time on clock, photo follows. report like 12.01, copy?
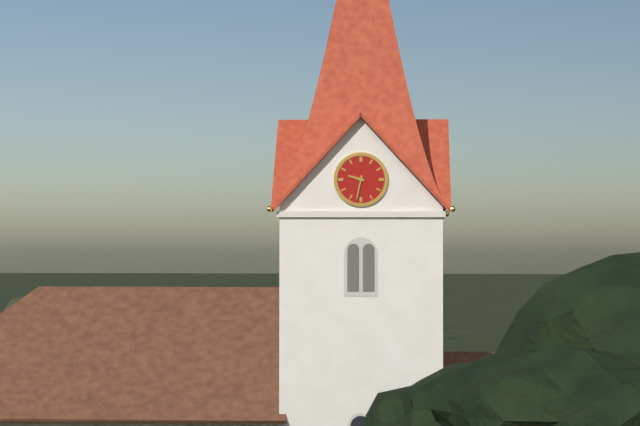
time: 9.32
